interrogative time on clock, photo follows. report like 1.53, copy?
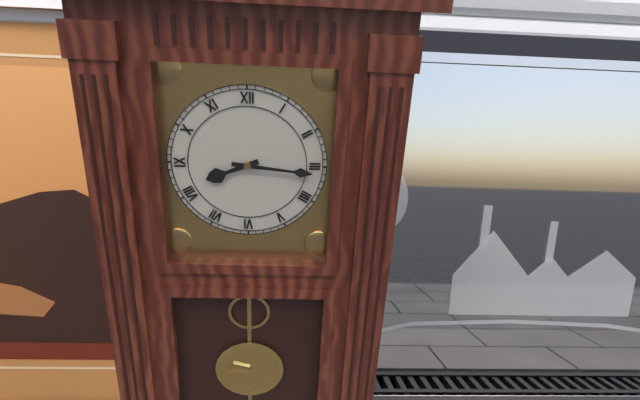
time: 8.16
